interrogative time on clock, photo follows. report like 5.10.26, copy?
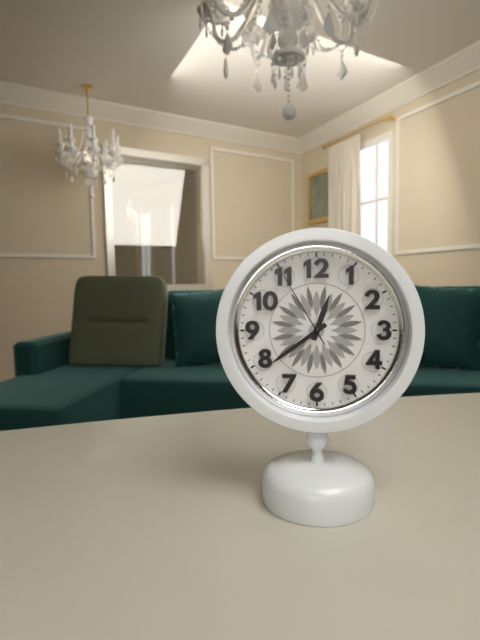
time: 12.39.55
